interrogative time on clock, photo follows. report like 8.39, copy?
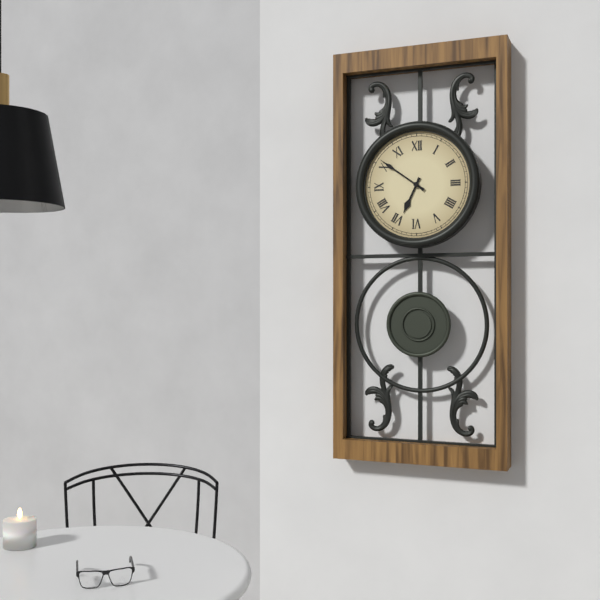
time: 6.51
